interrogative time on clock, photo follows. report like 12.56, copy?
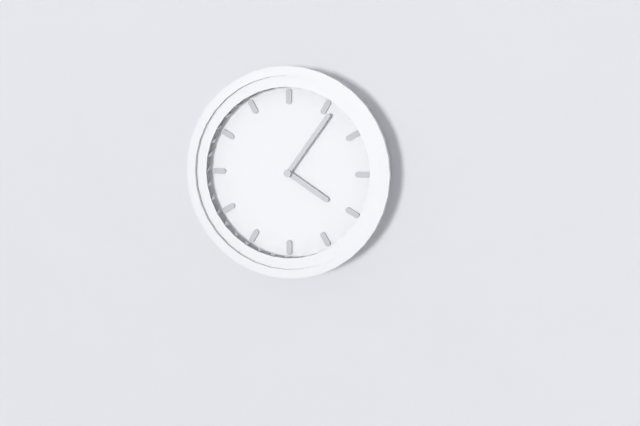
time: 4.06
